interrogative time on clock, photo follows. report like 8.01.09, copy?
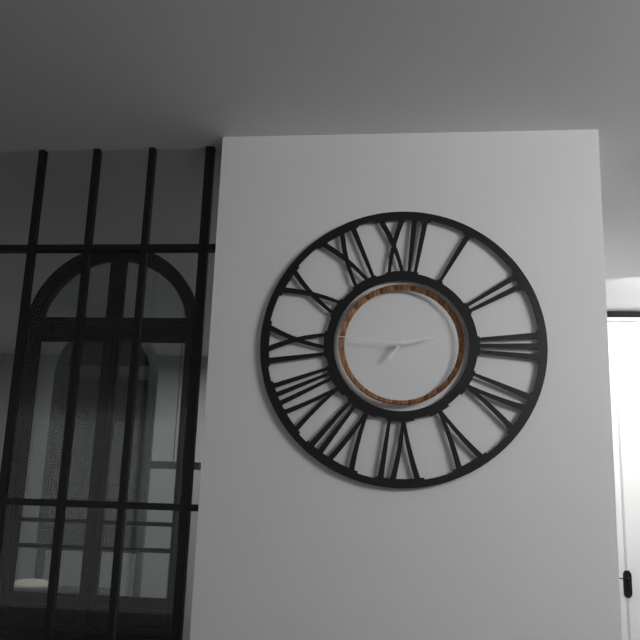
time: 7.13.46
